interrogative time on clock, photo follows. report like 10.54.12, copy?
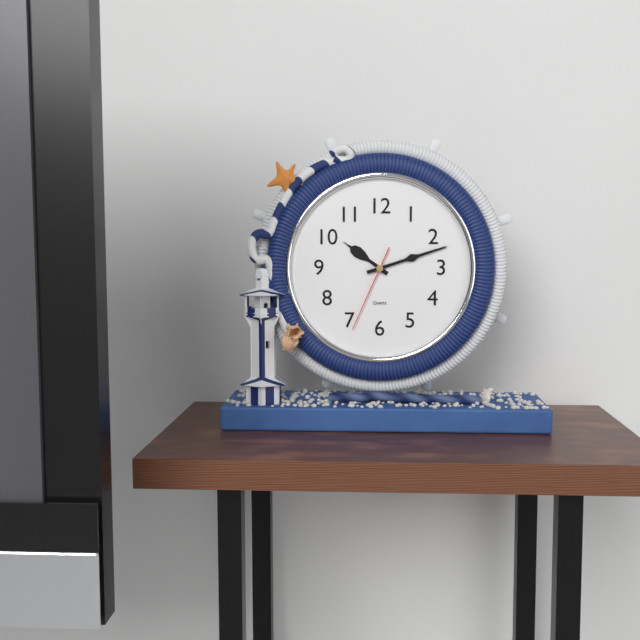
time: 10.12.34
